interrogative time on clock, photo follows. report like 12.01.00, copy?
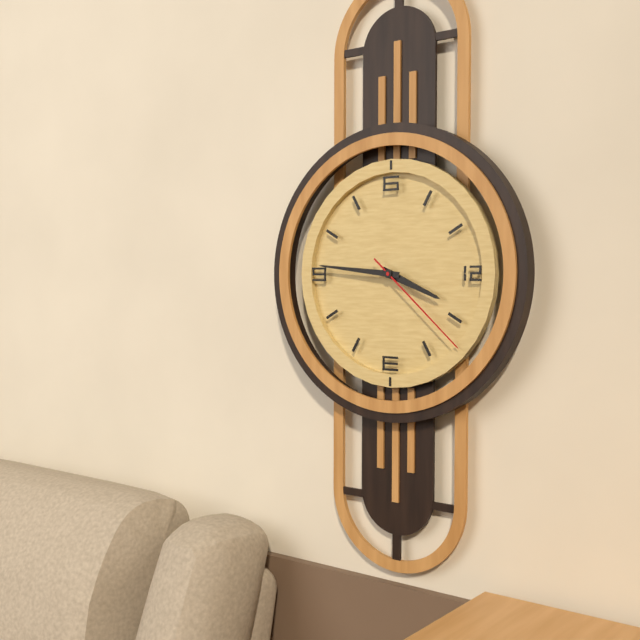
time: 3.46.22
